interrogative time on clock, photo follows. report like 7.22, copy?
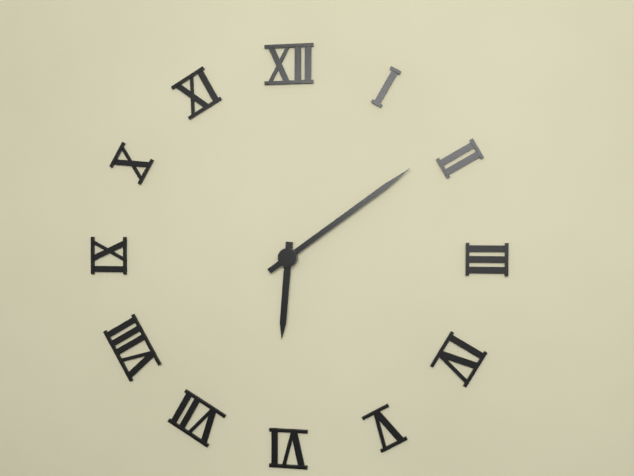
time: 6.09
